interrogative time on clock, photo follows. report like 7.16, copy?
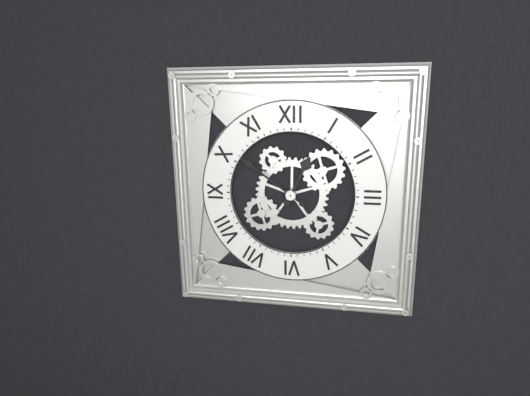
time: 12.51
